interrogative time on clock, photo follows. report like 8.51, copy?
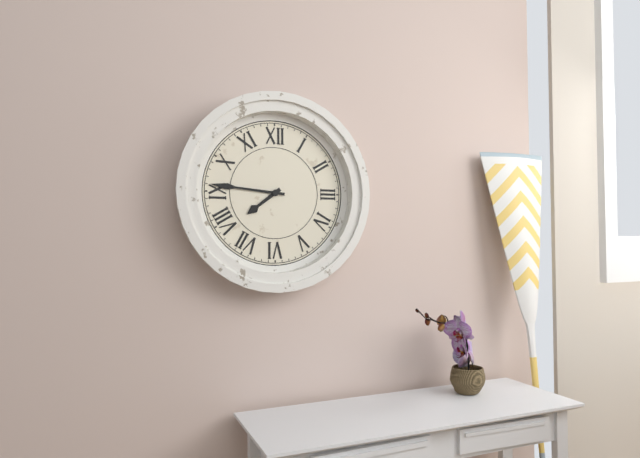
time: 7.46
